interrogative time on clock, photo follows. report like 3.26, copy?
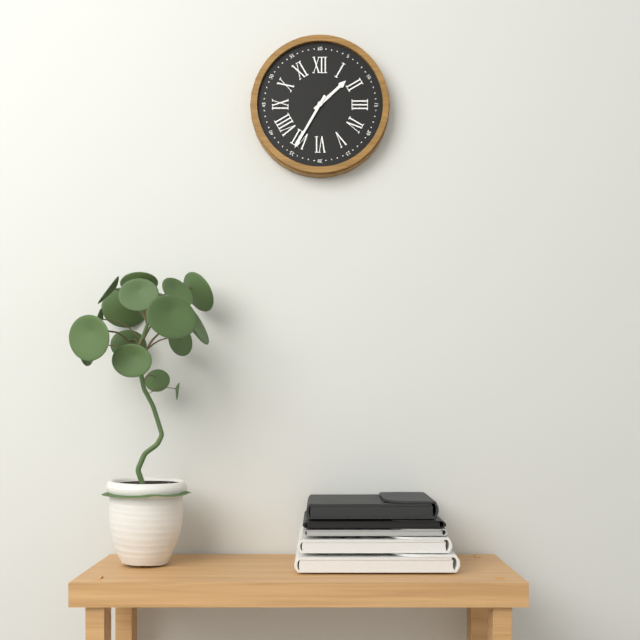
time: 1.35
